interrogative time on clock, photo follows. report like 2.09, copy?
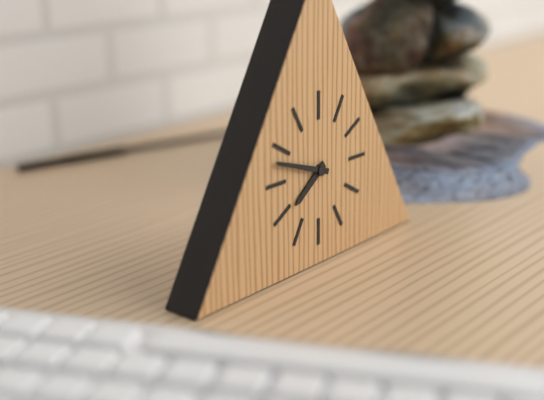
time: 7.48
